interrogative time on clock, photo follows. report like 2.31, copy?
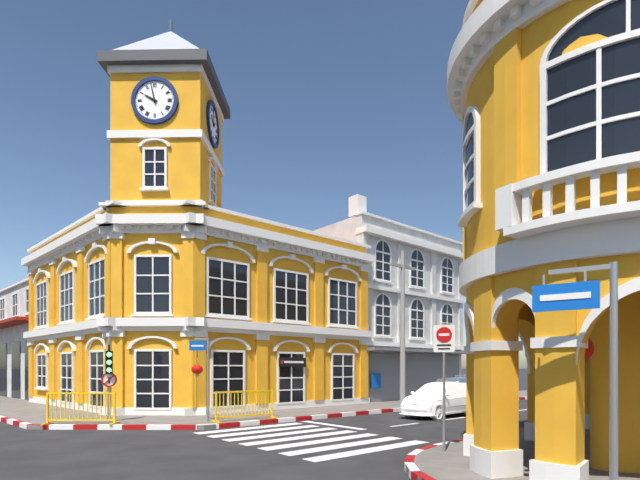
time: 9.58
